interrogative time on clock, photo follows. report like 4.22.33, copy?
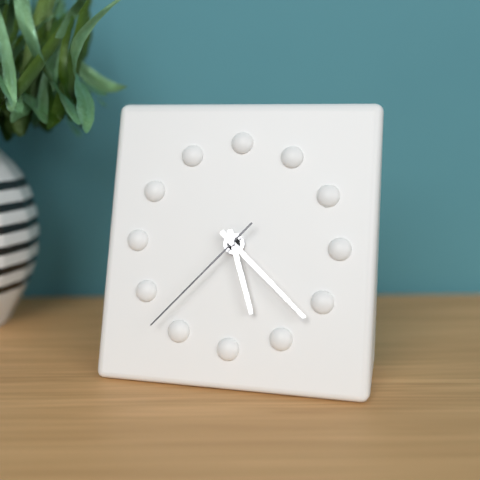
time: 5.22.37
